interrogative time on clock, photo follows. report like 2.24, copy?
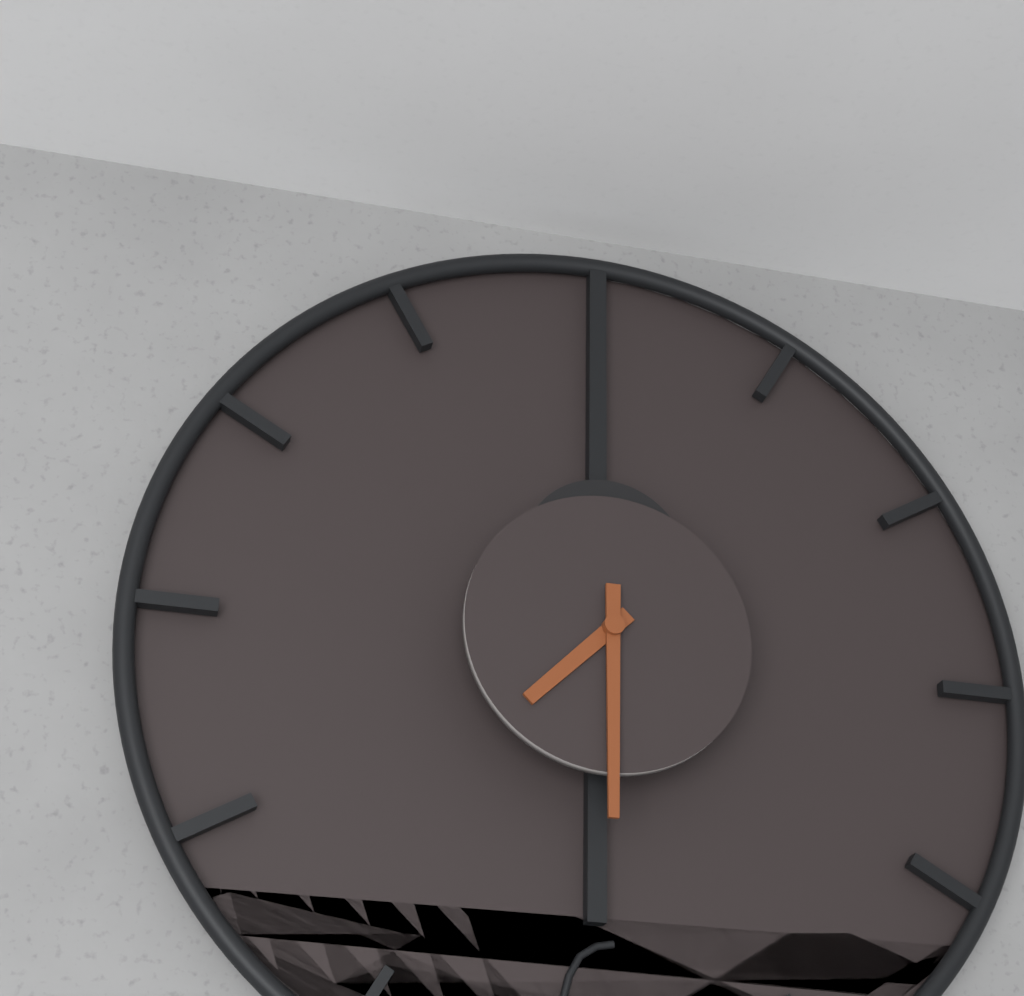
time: 7.30
